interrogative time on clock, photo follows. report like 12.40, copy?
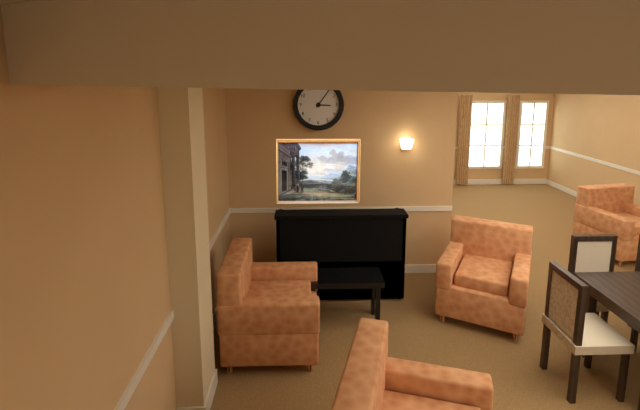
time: 3.06
